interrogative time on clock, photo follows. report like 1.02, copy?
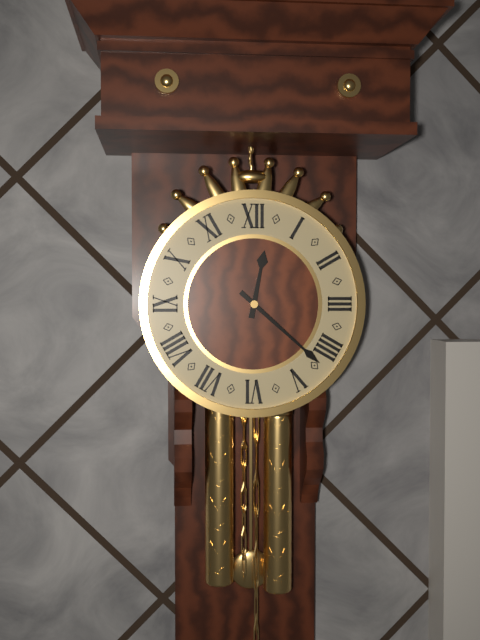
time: 12.22
